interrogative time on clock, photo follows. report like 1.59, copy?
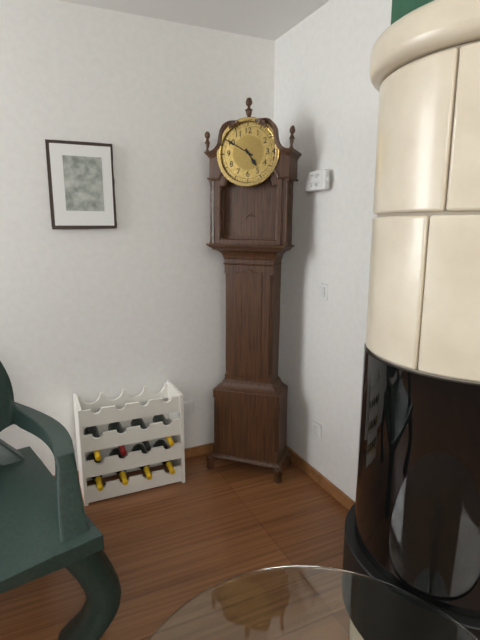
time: 4.50
